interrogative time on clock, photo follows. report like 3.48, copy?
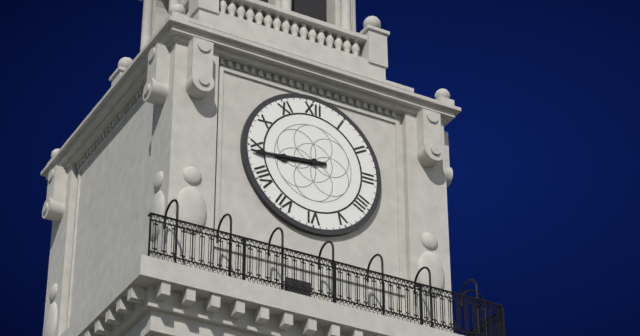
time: 8.44
